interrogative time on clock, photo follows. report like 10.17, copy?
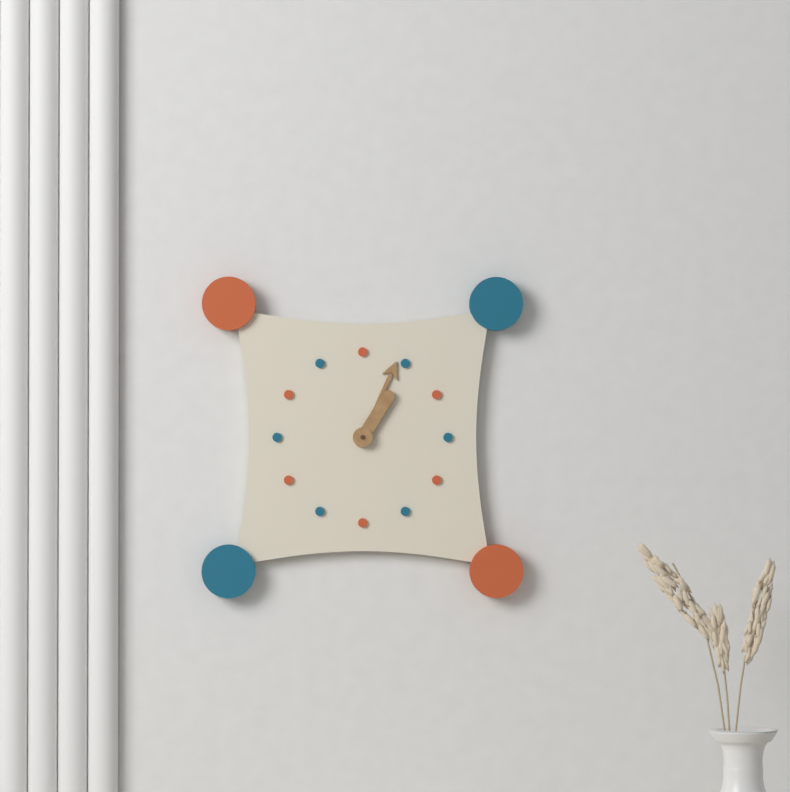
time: 1.04
